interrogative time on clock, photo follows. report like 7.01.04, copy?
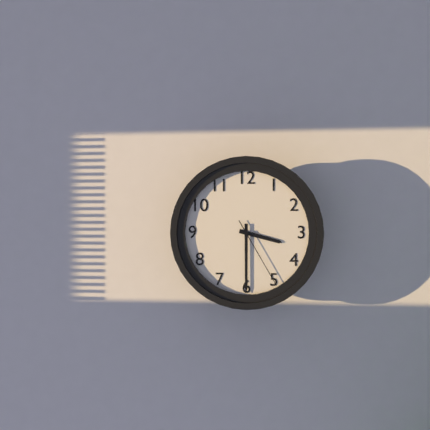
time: 3.30.25
